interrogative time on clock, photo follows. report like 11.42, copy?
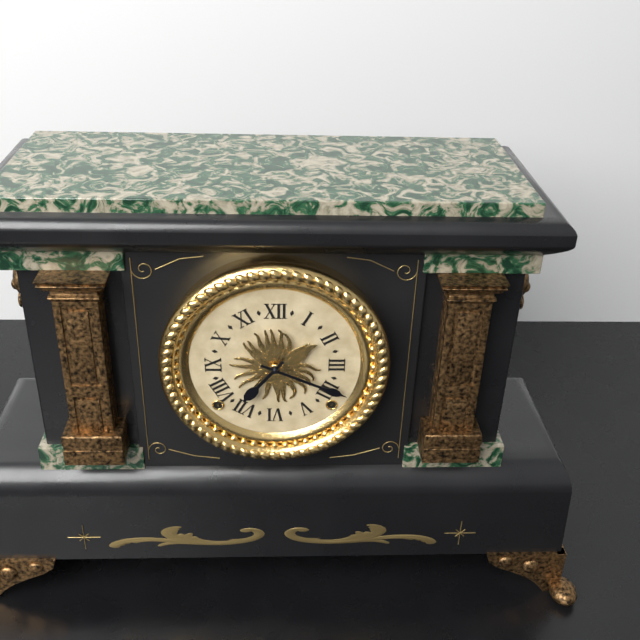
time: 7.19
